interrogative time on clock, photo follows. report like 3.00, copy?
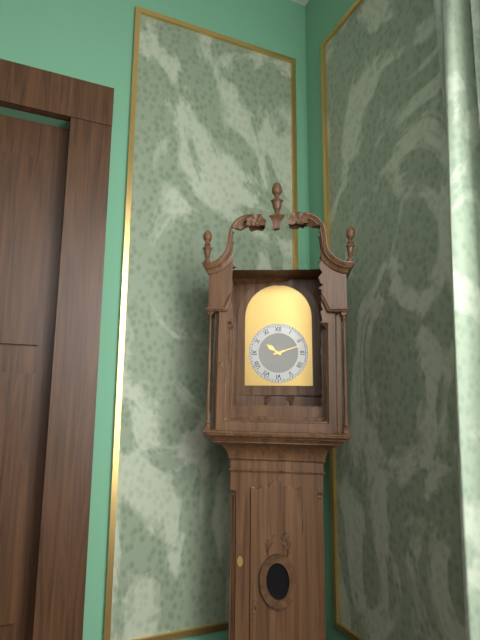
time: 10.12
